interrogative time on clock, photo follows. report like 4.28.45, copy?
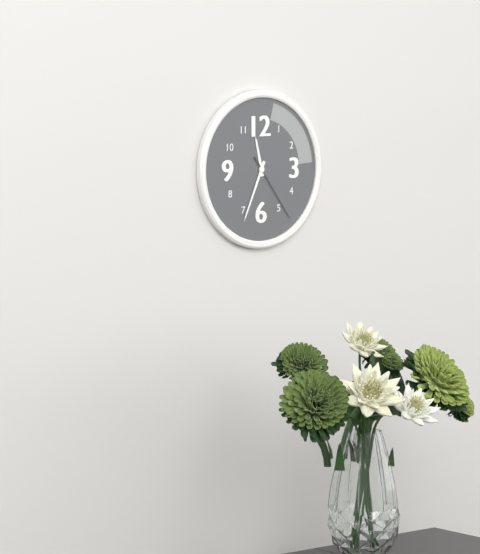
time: 11.34.24
